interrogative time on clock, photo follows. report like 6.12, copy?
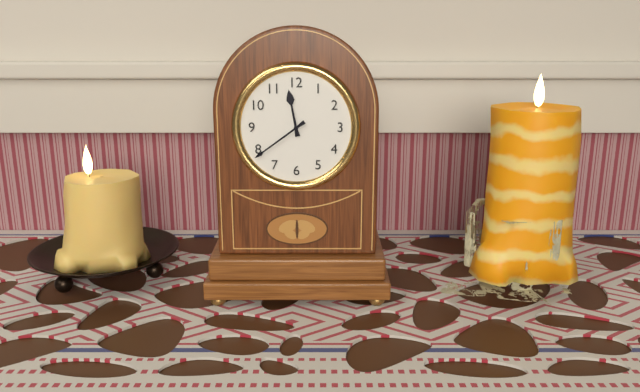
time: 11.39
